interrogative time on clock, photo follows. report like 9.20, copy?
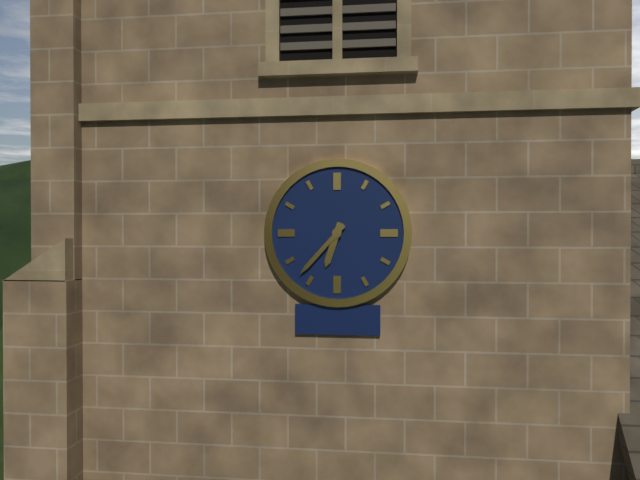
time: 6.37
